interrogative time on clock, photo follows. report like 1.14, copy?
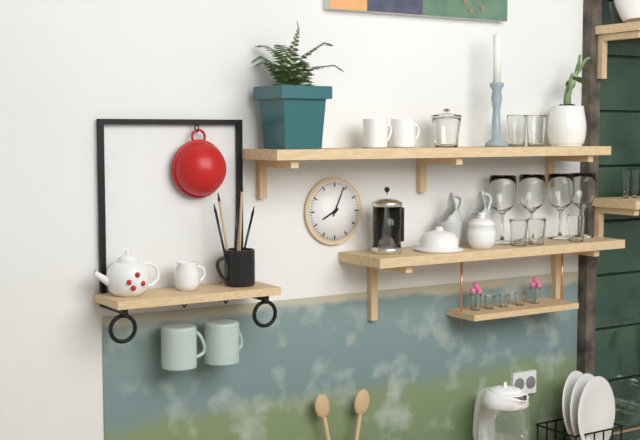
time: 8.04
